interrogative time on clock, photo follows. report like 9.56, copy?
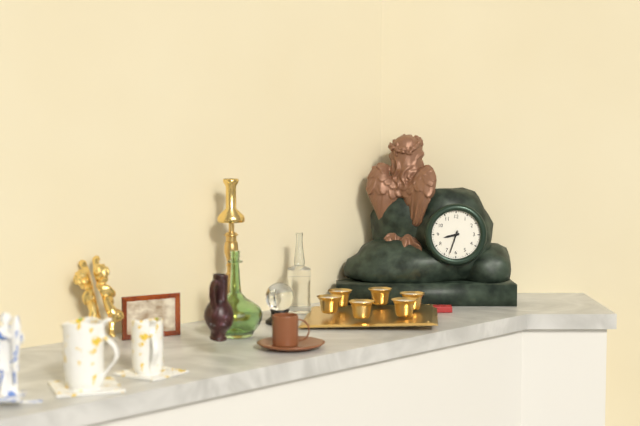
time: 8.33
